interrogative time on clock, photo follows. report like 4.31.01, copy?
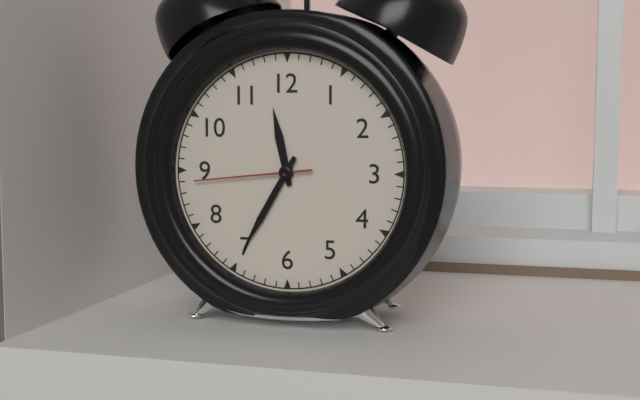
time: 11.35.44
